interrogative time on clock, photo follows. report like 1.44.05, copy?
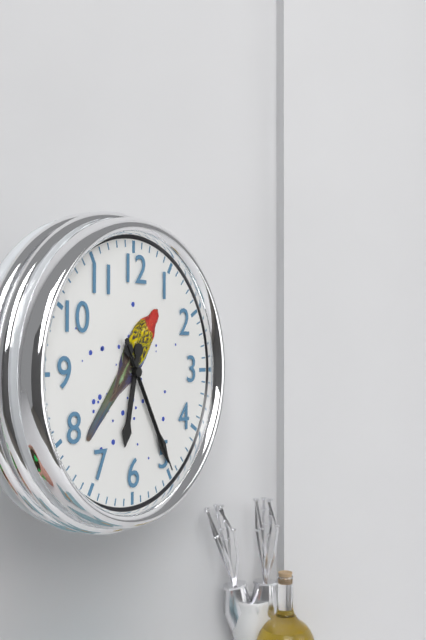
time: 6.25.25
